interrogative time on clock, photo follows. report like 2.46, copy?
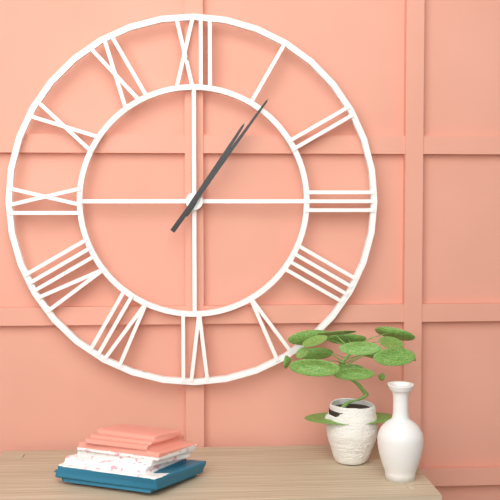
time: 1.06
